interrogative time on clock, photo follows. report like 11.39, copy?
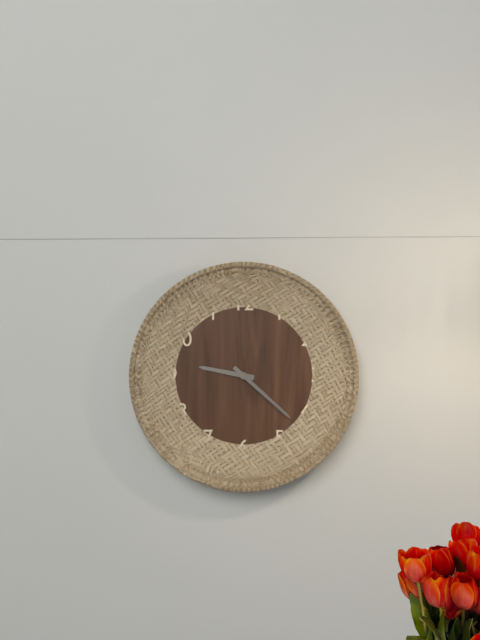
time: 9.22
